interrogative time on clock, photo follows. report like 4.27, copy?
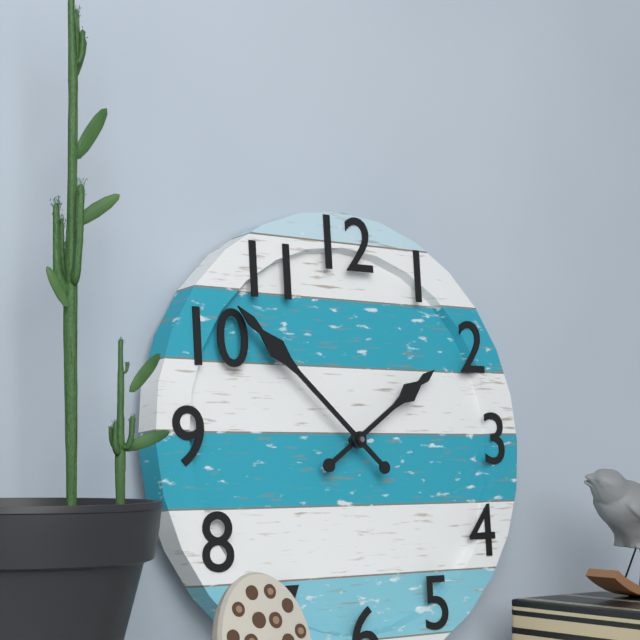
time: 1.52
